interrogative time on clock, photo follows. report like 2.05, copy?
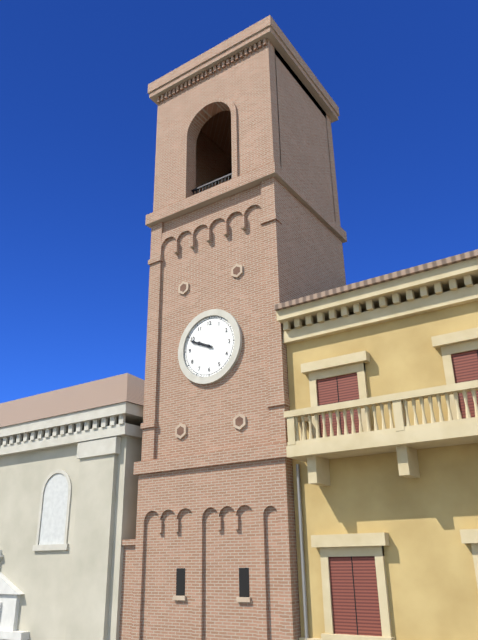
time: 9.49
